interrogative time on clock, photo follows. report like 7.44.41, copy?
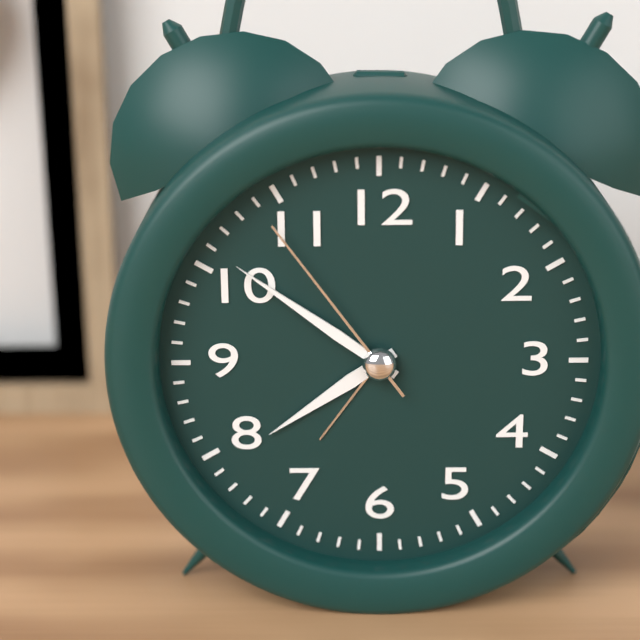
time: 7.51.54
